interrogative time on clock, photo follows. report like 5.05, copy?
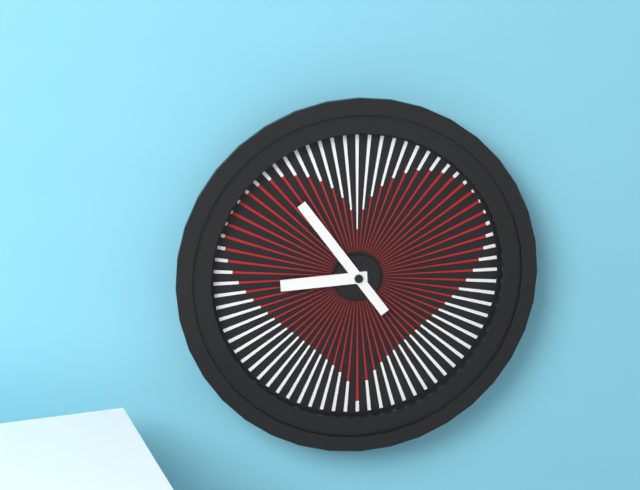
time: 8.54
